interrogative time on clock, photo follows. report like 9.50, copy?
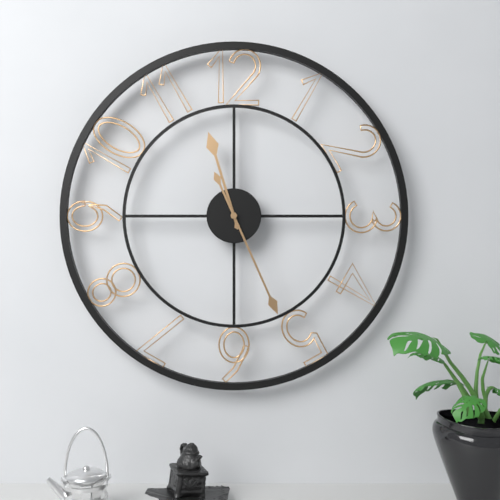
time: 11.26
